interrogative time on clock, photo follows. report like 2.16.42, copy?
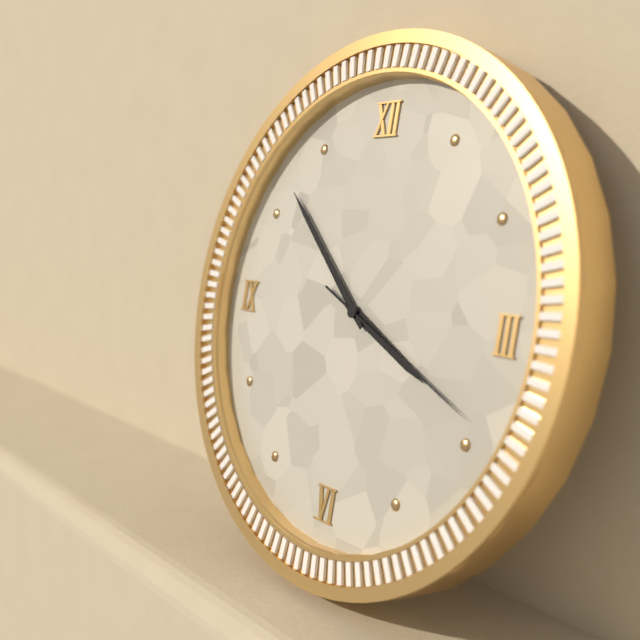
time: 3.52.19
